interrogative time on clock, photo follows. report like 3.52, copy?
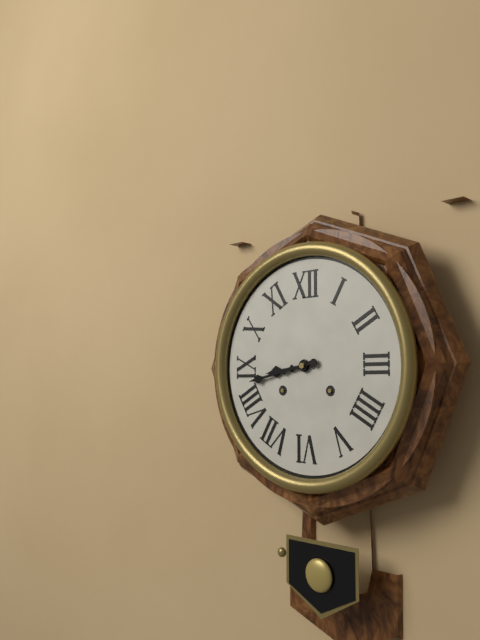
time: 8.43
